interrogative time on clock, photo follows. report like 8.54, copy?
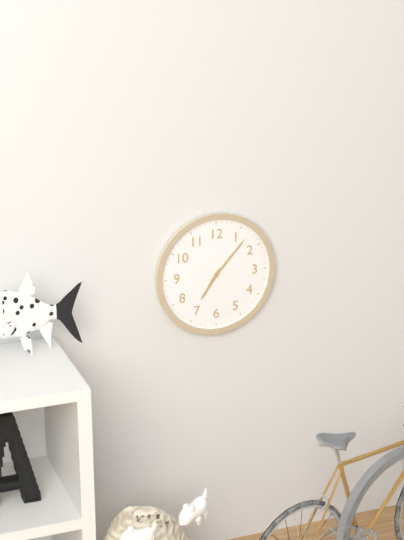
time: 7.07
